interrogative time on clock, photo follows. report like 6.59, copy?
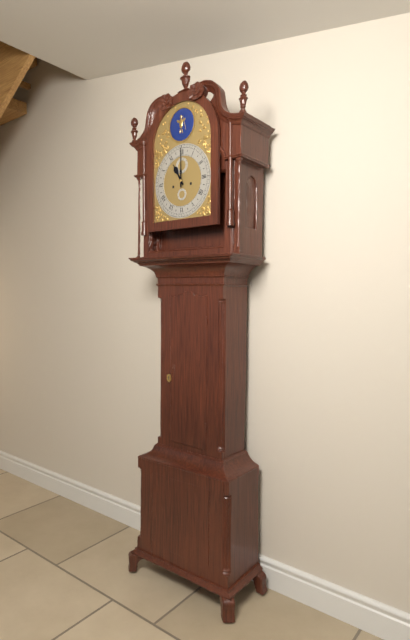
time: 11.00
